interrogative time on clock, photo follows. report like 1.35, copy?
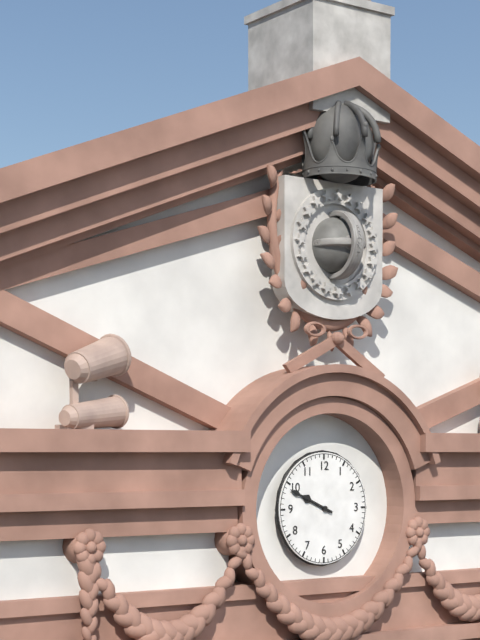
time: 9.49
